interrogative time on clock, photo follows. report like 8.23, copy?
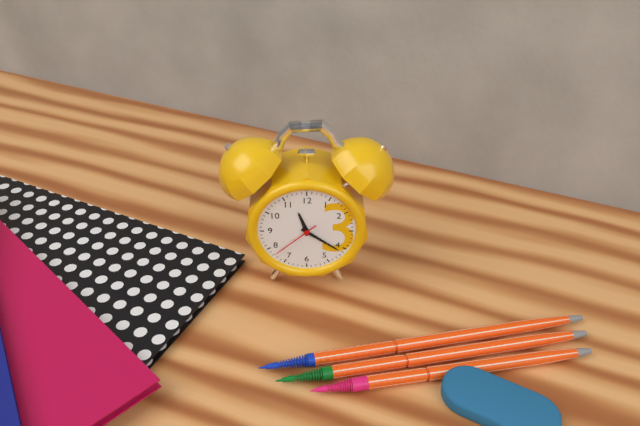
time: 11.21
